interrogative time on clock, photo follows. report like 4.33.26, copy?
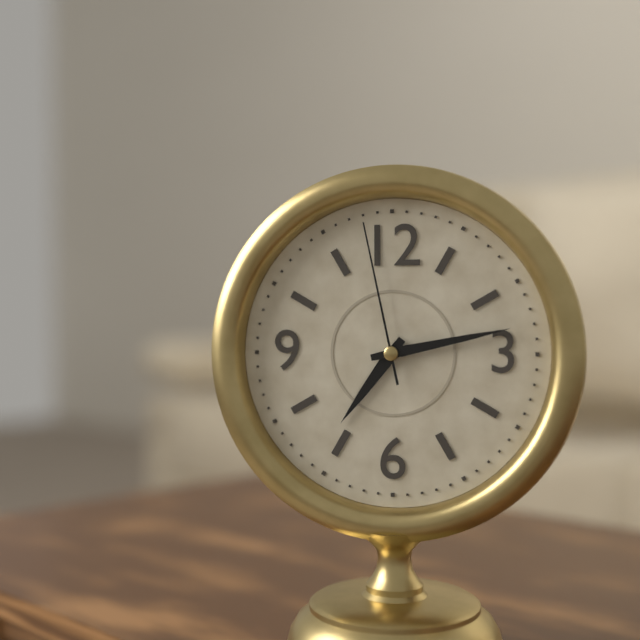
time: 7.13.58
